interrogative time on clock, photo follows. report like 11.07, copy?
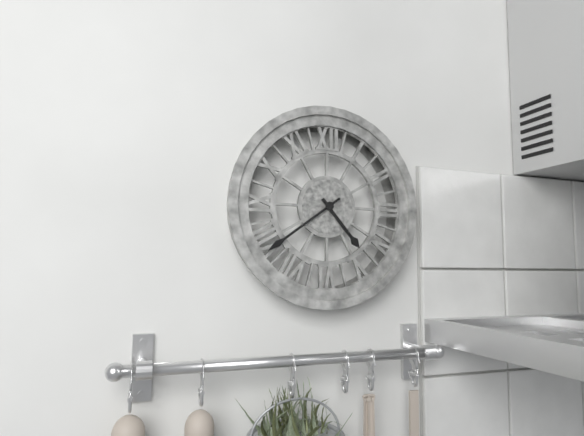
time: 4.39
